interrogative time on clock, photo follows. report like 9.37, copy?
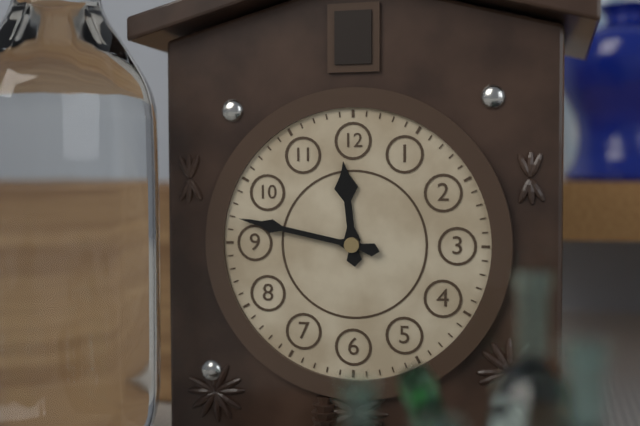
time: 11.47
